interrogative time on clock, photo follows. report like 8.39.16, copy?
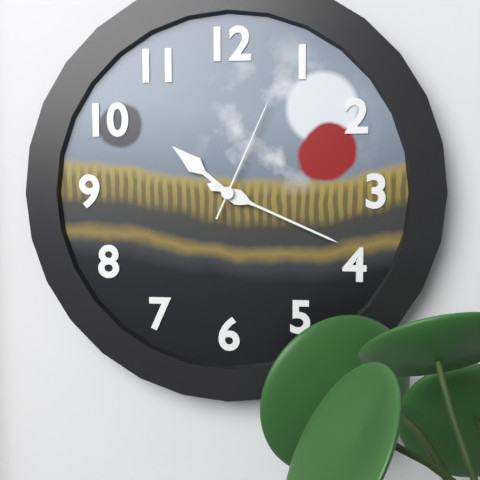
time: 10.19.04
